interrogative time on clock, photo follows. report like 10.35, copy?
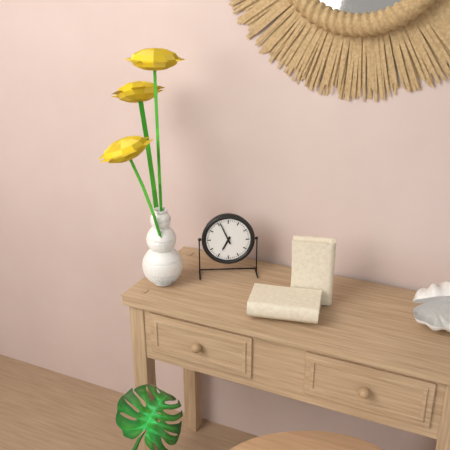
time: 6.56
